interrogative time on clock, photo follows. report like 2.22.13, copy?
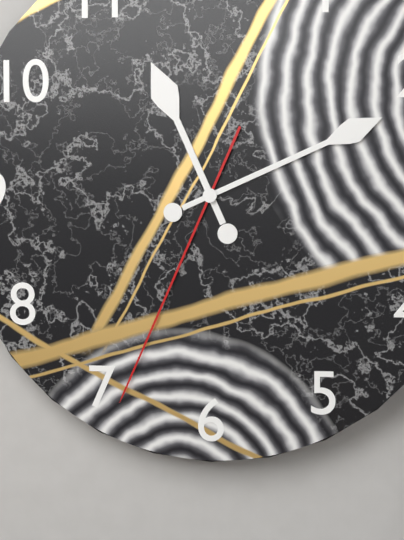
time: 11.11.34
